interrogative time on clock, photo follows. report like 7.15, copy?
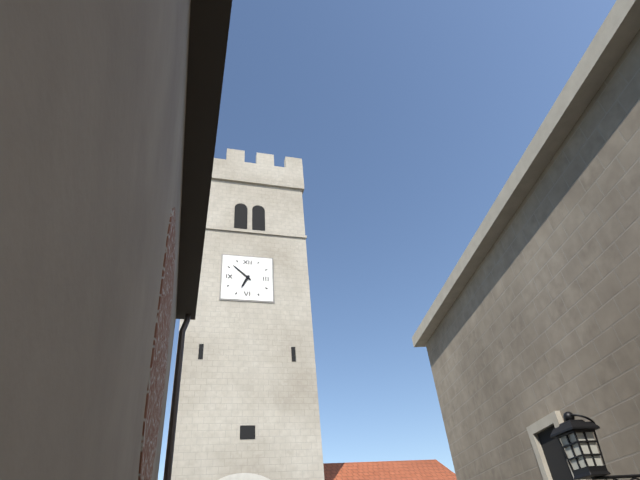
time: 6.52
